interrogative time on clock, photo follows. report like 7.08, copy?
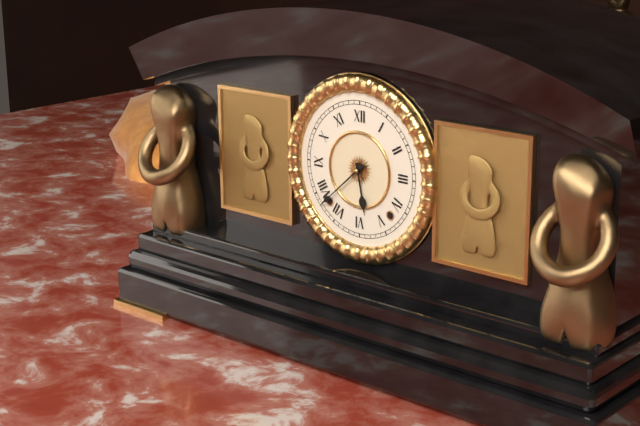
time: 5.38
